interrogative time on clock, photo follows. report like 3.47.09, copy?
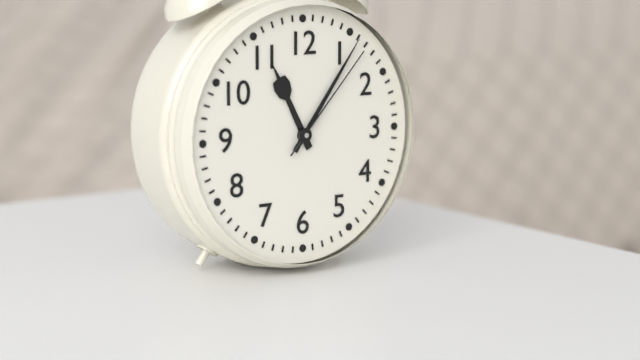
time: 11.06.07
